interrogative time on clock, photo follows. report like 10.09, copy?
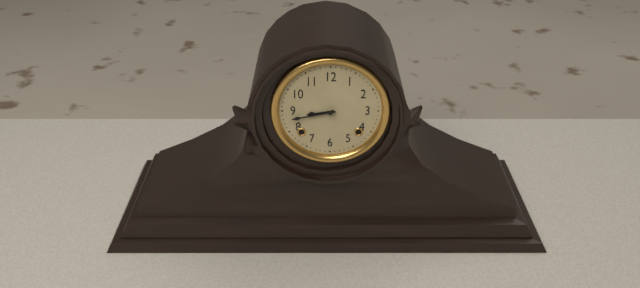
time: 8.43
